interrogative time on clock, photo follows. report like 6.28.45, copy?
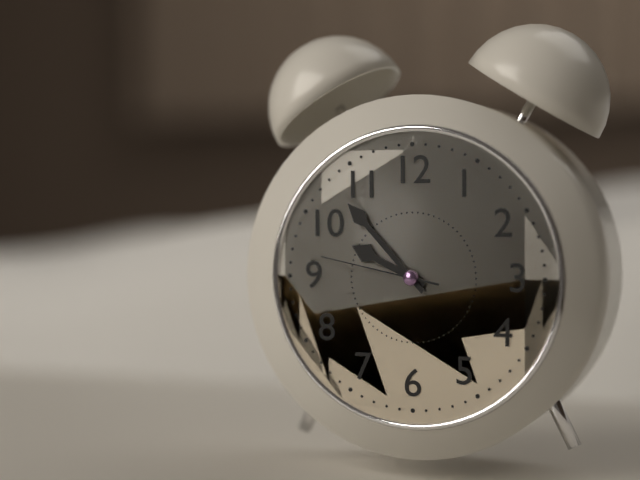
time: 9.53.47
